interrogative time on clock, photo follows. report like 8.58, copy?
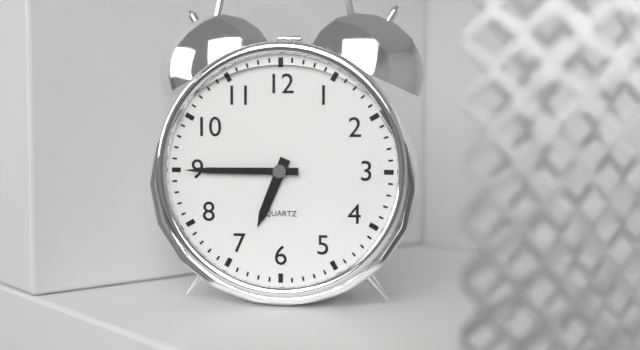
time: 6.45
